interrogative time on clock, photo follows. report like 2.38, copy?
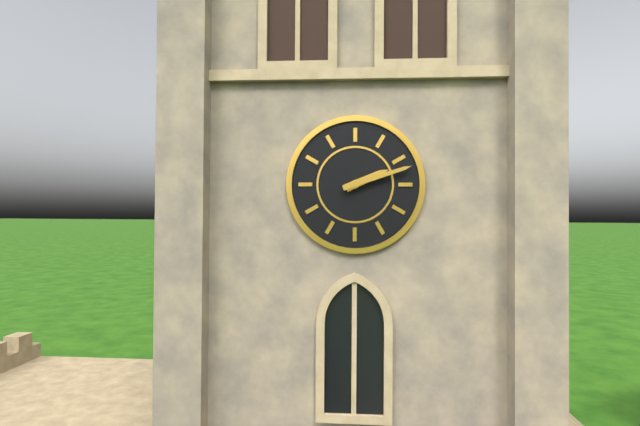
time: 2.12
